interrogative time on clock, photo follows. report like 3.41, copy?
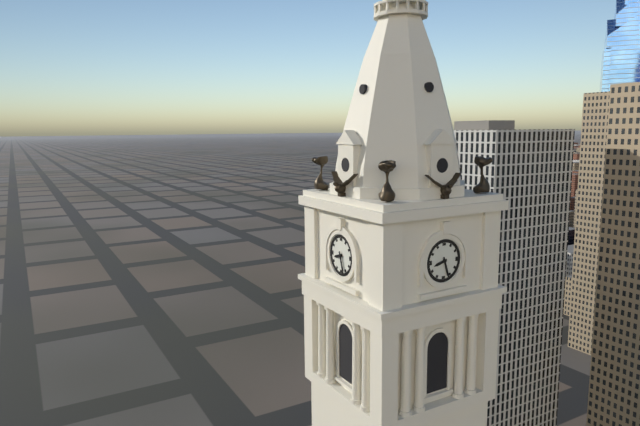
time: 8.27
